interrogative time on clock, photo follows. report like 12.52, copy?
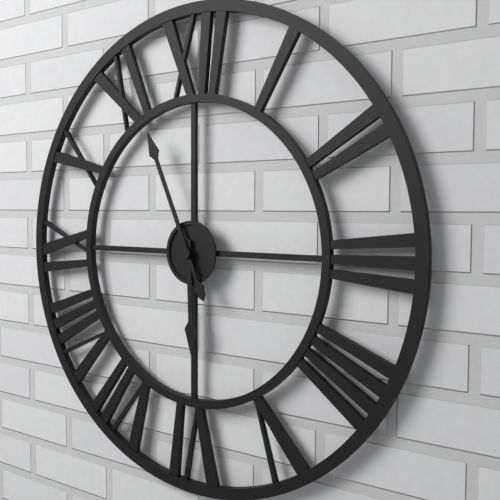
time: 5.56
